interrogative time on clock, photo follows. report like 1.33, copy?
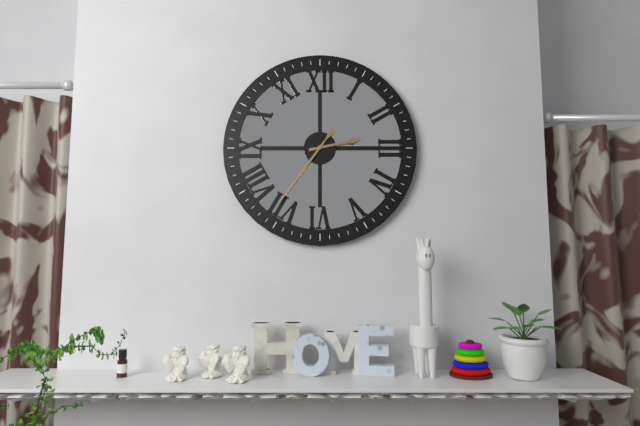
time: 2.36
